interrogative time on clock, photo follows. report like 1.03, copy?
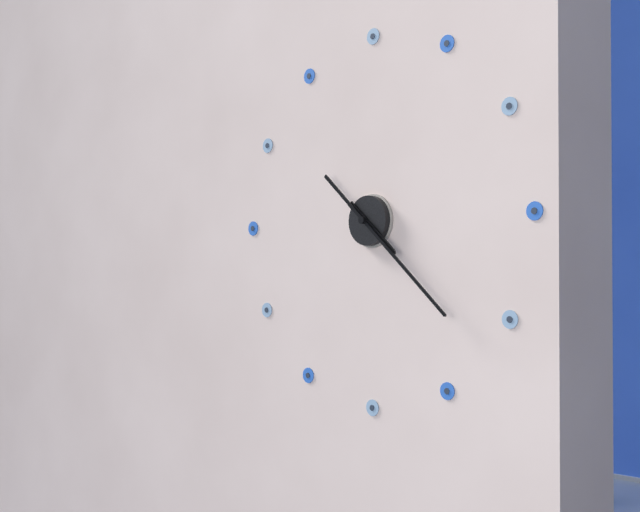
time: 4.22
